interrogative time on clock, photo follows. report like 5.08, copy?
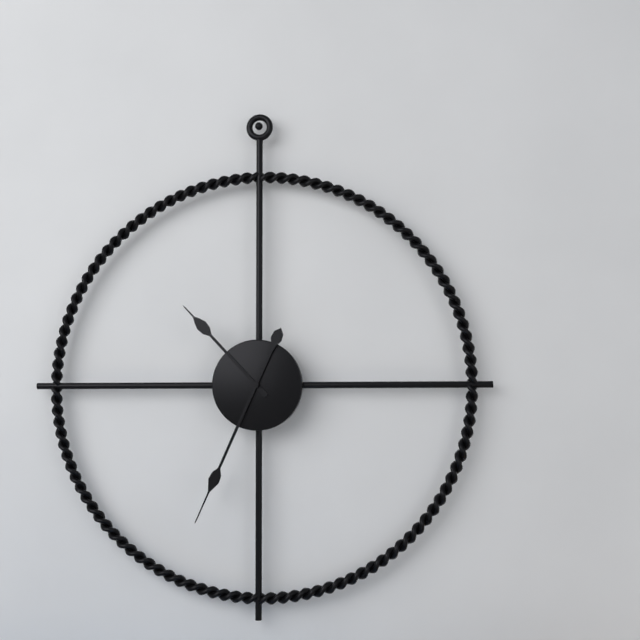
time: 10.34
